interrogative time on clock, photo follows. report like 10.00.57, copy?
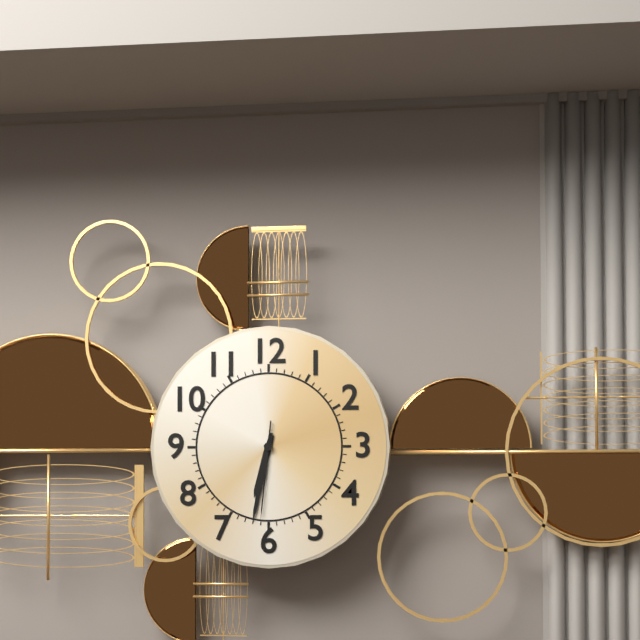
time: 6.32.31
